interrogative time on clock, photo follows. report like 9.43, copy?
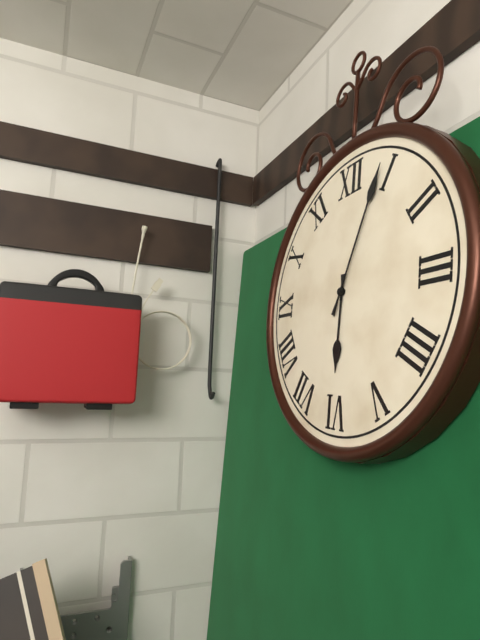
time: 6.04
